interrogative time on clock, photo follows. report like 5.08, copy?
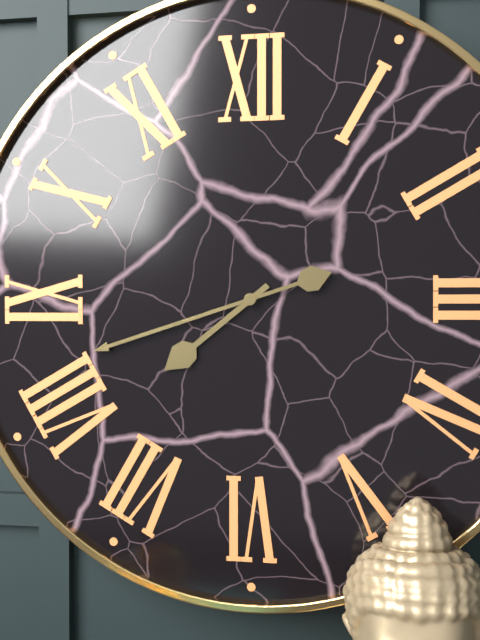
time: 7.42
